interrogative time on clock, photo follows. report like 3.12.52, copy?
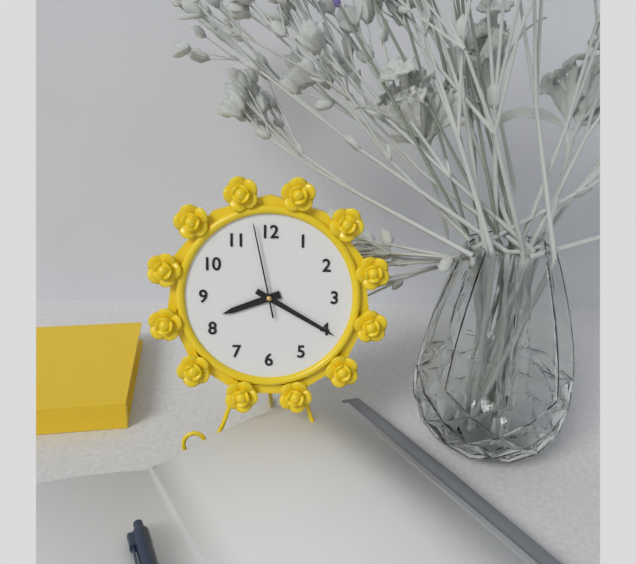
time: 8.20.58
